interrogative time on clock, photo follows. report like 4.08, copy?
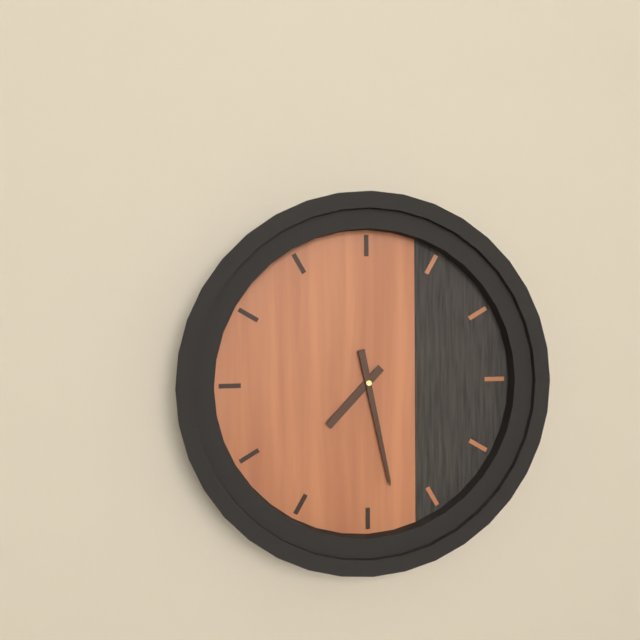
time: 7.28
